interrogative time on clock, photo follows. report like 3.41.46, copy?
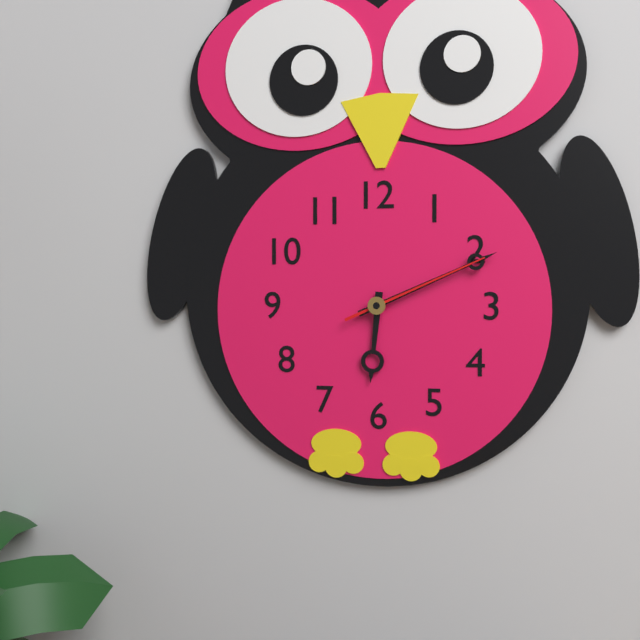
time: 6.11.11
